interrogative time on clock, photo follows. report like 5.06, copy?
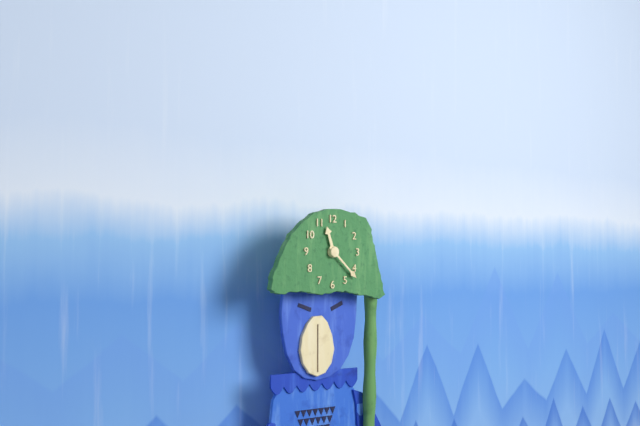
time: 11.22
